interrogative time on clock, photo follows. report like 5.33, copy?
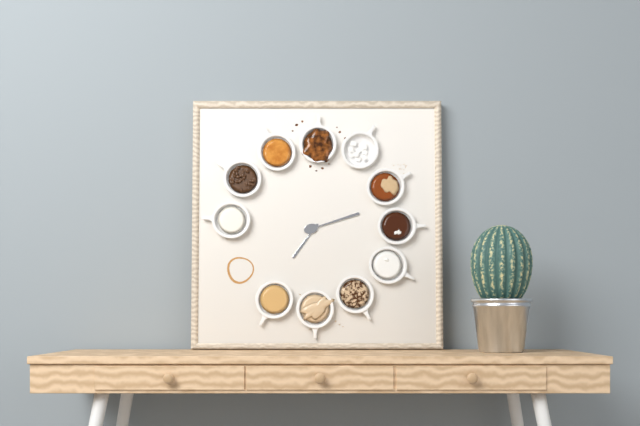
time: 7.12
